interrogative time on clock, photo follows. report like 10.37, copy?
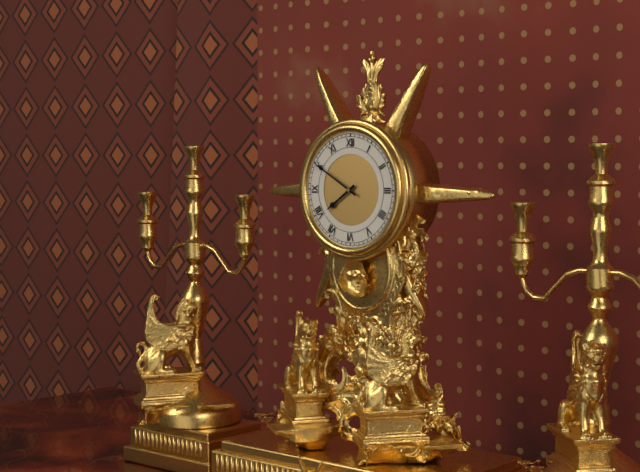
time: 7.50
